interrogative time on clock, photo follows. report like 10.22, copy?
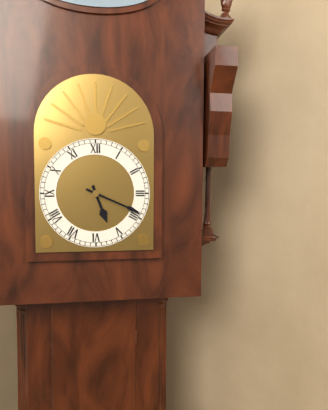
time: 5.19
